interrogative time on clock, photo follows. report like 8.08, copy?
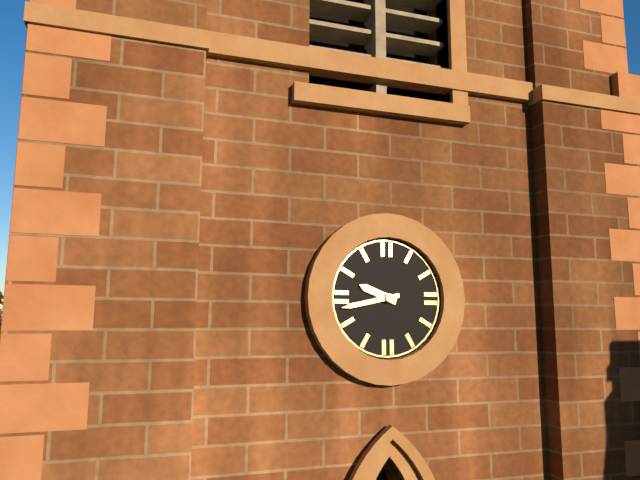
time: 9.43
